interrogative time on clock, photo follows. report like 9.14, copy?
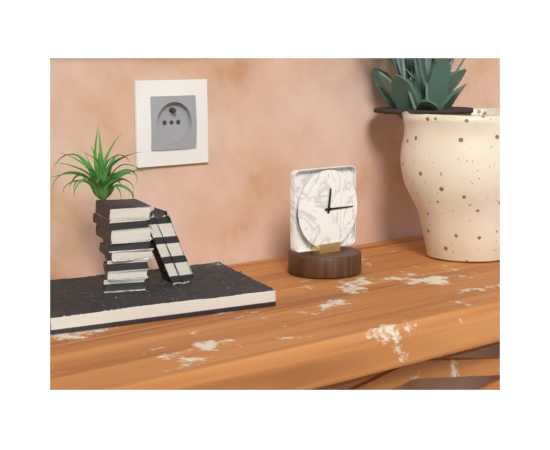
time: 12.15
